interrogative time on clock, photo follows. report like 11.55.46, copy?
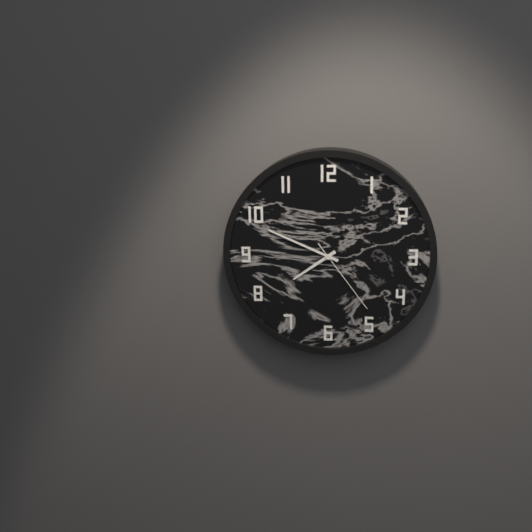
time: 7.49.24
